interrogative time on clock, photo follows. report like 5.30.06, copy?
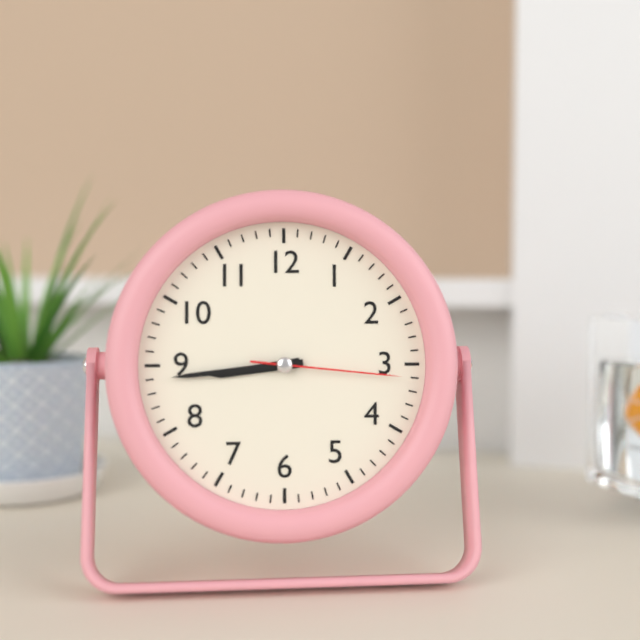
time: 8.44.16
